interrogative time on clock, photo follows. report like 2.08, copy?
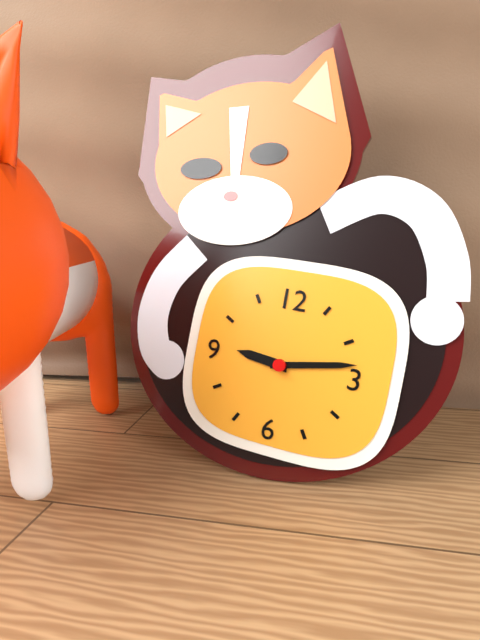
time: 9.13
